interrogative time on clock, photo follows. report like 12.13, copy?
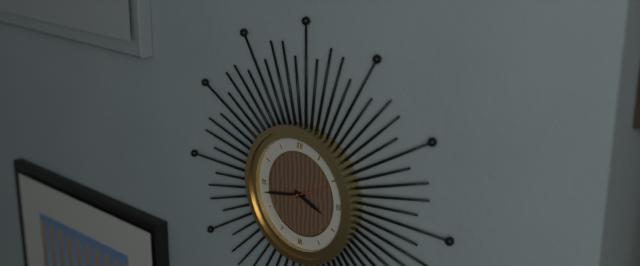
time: 3.43
